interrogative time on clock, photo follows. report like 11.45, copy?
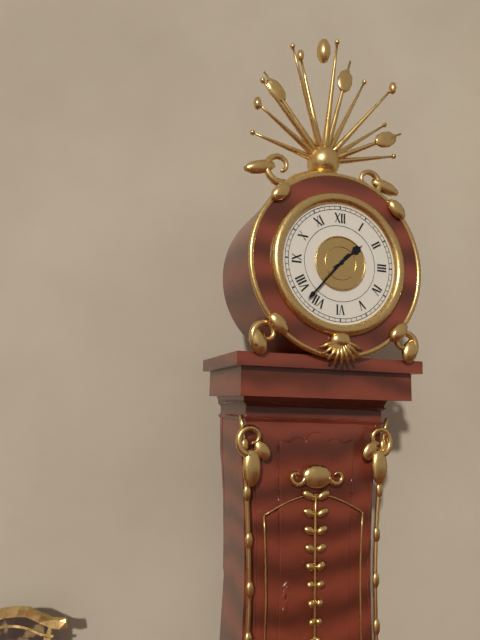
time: 1.37
